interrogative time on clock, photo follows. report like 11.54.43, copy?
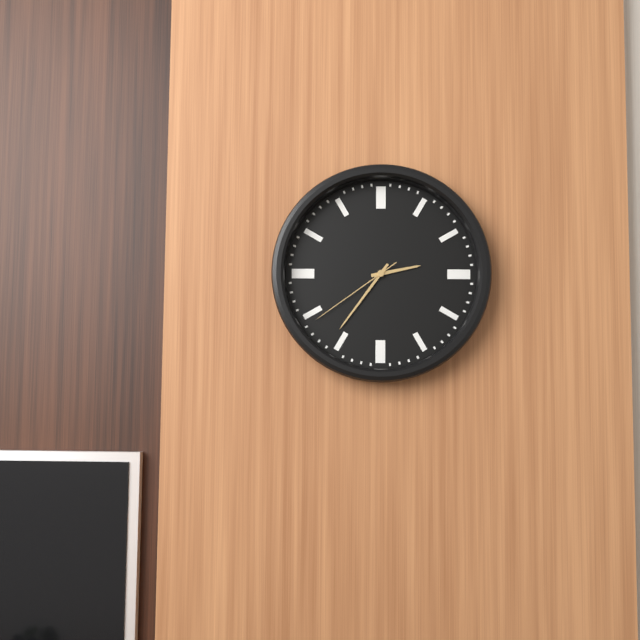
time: 2.36.39
